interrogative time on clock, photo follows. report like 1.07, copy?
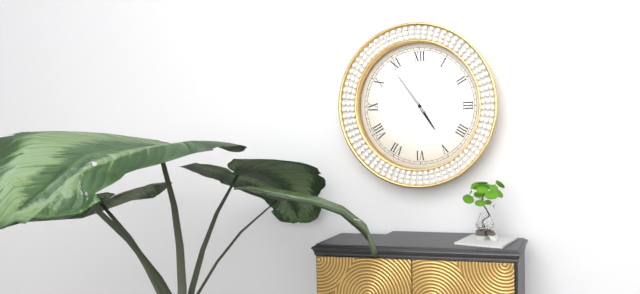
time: 4.54
